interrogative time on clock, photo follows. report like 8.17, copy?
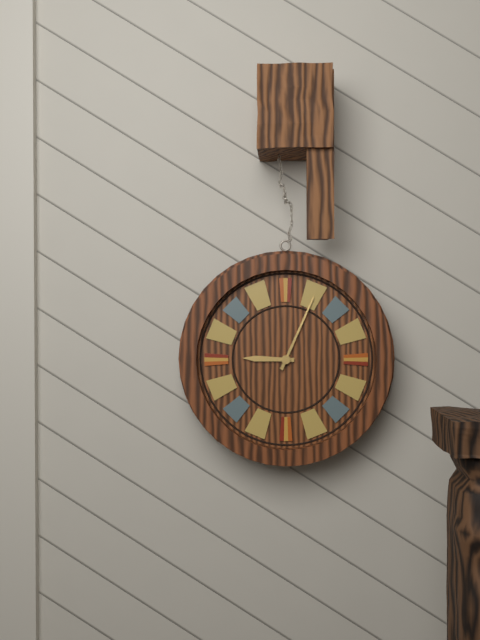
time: 9.04
